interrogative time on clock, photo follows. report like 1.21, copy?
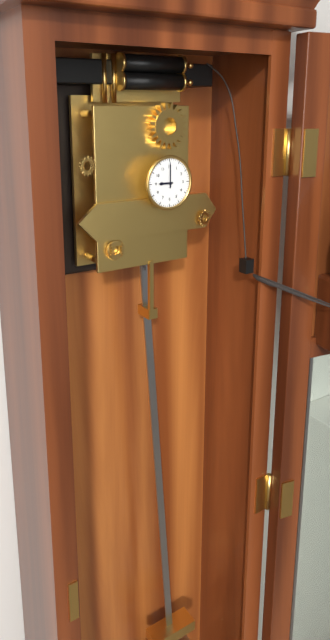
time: 9.00
